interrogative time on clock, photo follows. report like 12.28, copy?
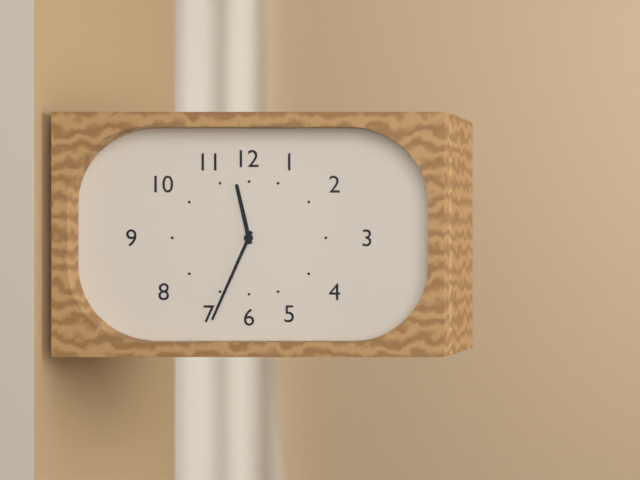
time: 11.34
